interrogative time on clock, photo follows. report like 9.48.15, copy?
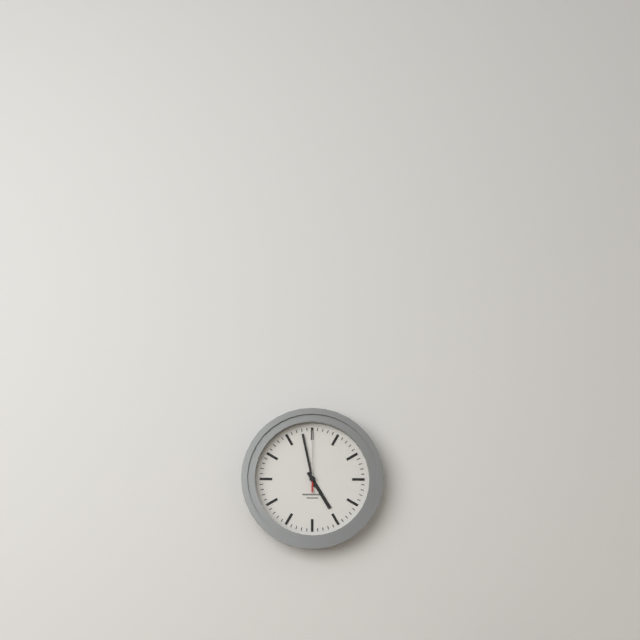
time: 4.58.00
